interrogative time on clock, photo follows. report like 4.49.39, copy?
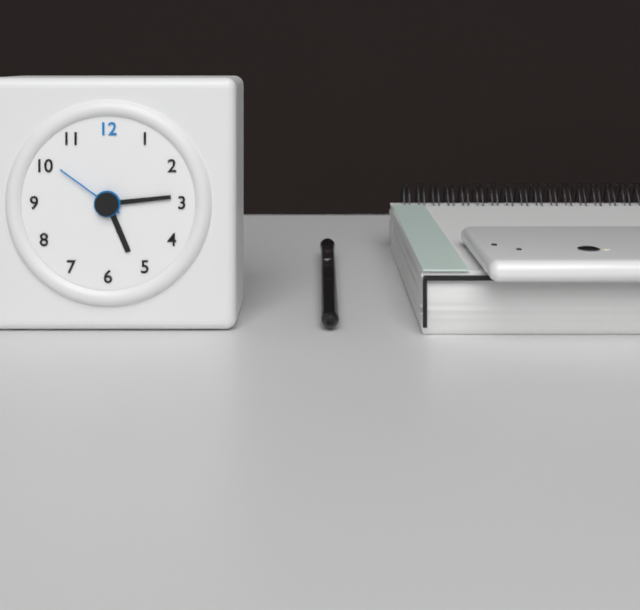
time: 5.14.51
